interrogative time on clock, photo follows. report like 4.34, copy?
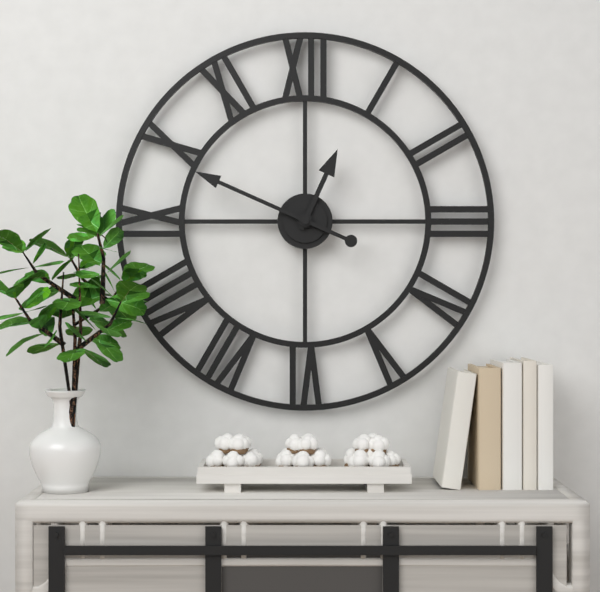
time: 12.49
